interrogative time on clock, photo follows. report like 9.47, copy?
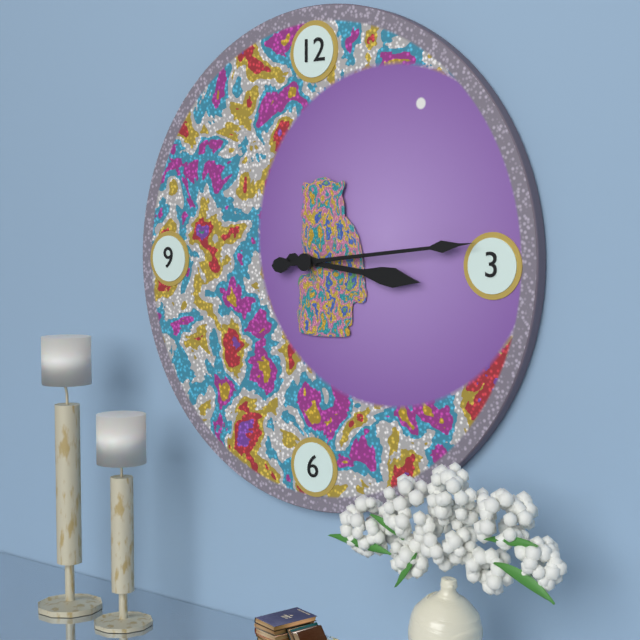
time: 3.14
